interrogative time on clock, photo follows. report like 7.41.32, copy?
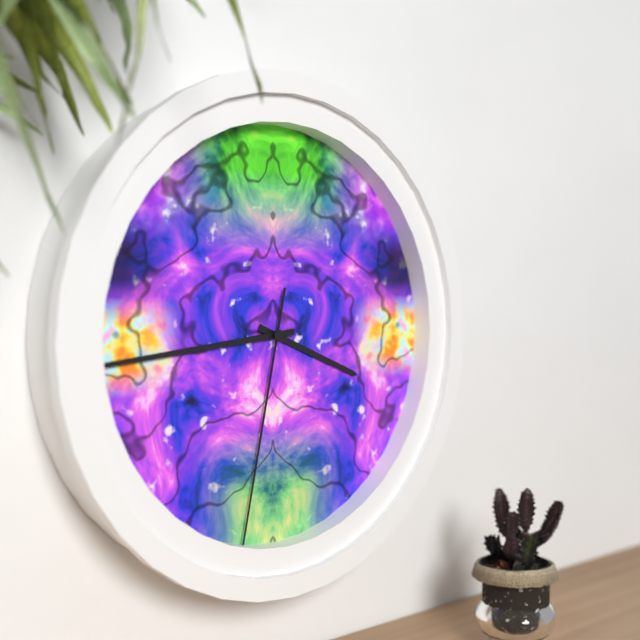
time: 3.44.32
